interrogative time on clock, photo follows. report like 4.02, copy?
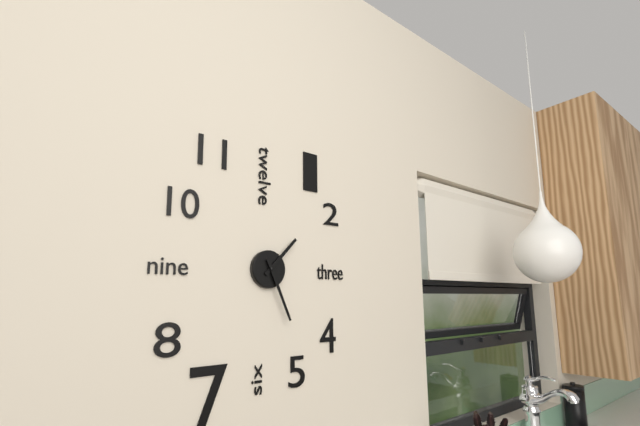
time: 1.26
